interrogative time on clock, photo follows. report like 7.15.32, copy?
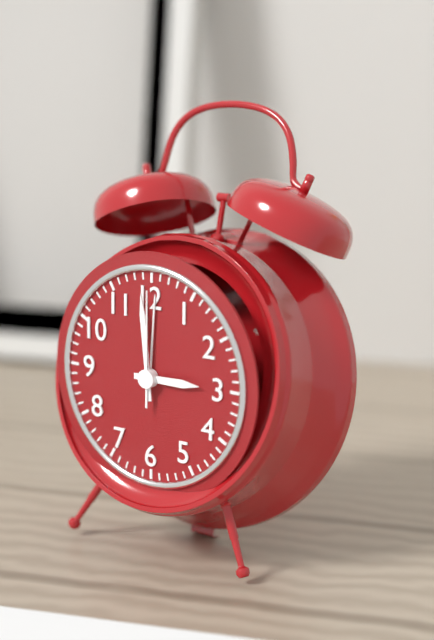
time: 2.59.00
